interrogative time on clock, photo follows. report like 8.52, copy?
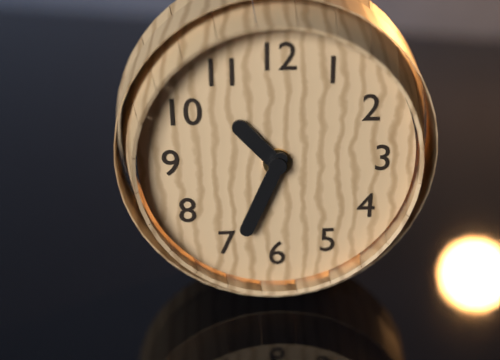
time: 10.34
